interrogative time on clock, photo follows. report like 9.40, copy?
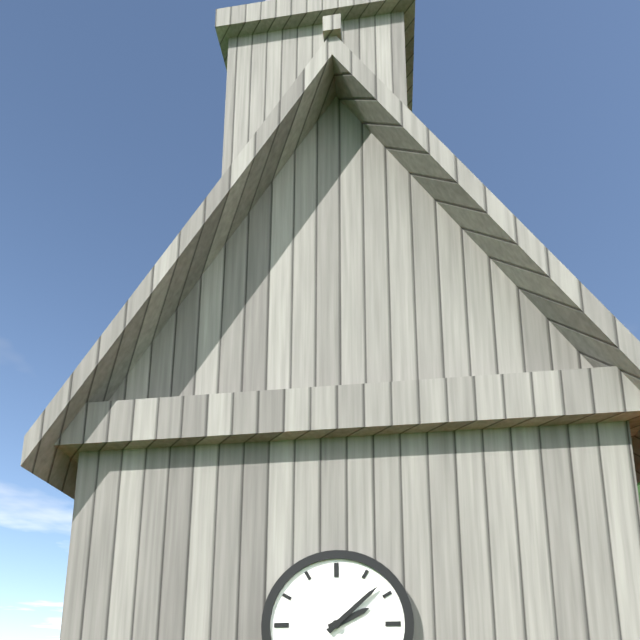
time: 2.08
